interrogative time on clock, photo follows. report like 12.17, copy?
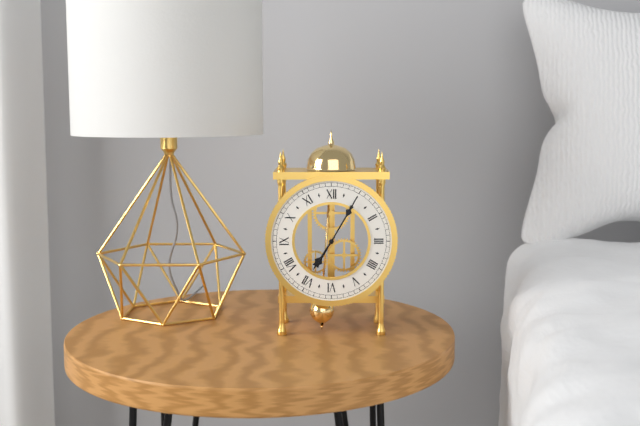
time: 7.05
